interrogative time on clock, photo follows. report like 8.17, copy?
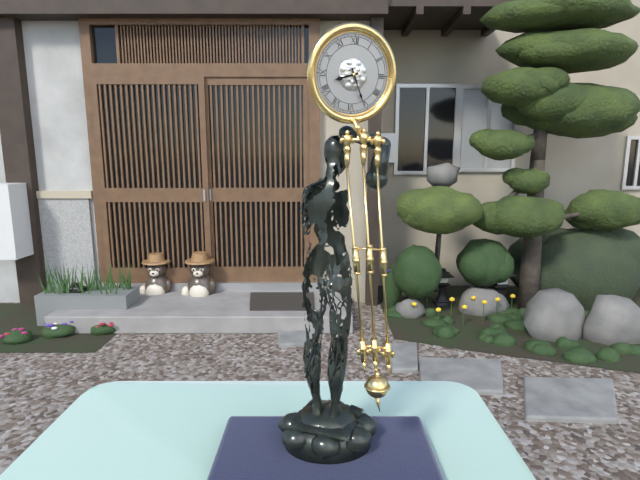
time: 8.26
